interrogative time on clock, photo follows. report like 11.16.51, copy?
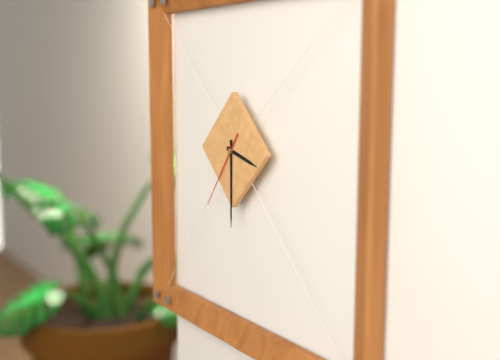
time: 3.30.36
